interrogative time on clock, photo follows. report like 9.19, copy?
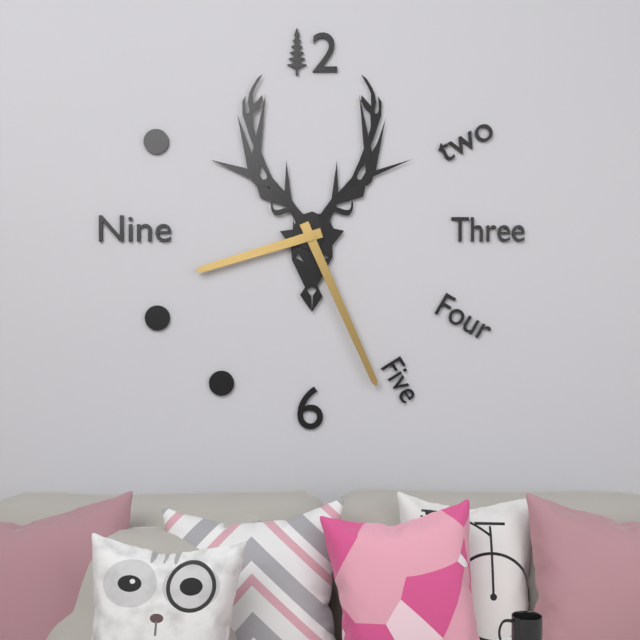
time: 8.26
